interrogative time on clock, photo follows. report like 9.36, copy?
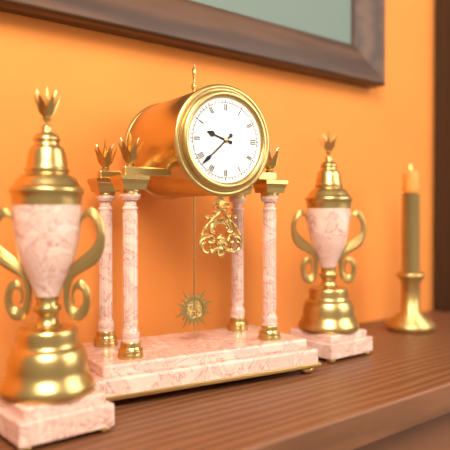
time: 9.38
